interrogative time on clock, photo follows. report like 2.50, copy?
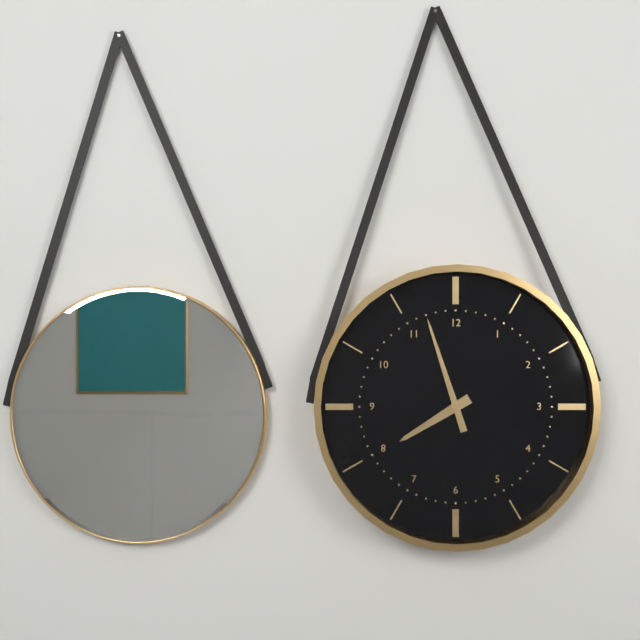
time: 7.57
